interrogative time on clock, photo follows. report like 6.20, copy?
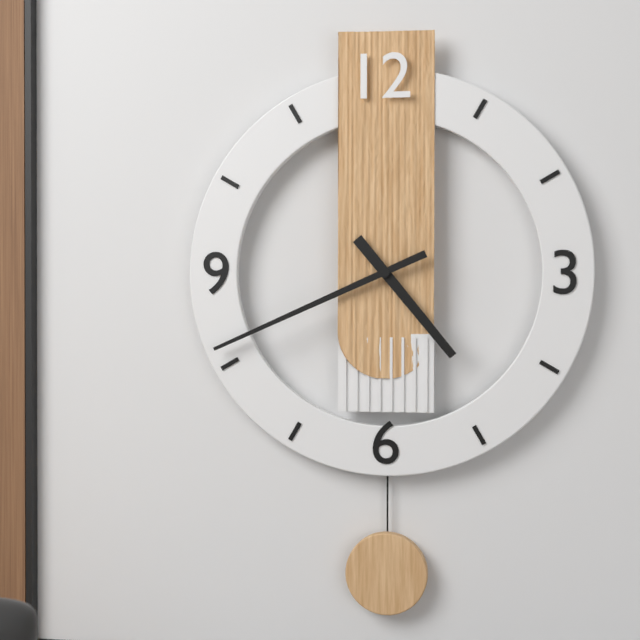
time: 4.41
